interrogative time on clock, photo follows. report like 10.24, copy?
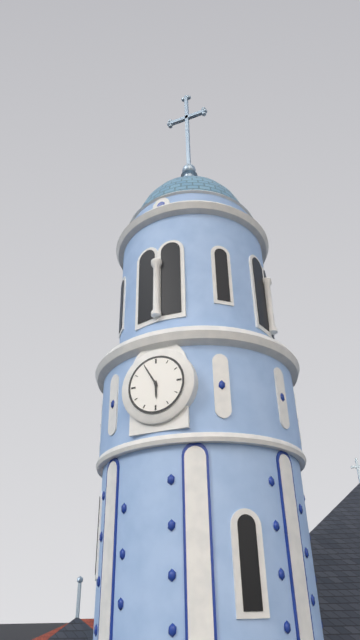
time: 5.55
